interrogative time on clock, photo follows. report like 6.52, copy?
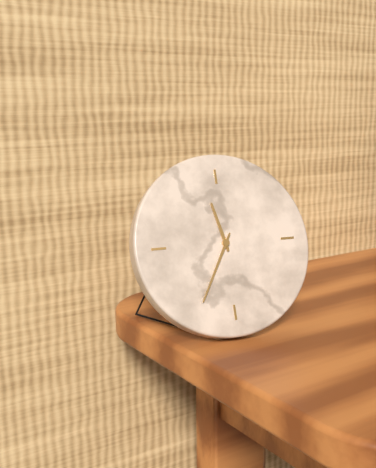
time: 11.35
